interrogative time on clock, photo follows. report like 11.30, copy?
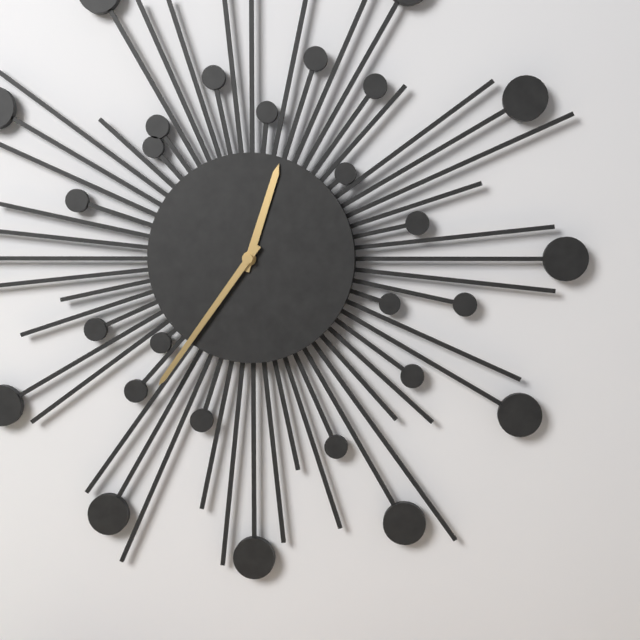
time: 12.36
